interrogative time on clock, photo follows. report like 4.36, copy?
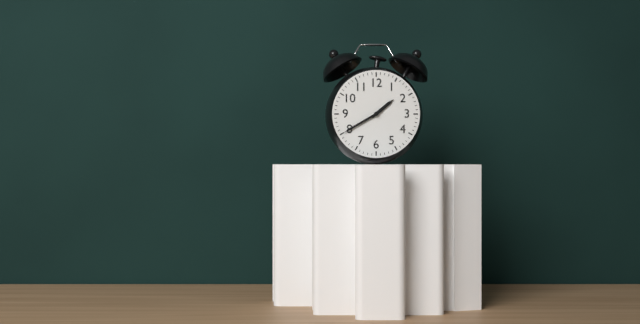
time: 1.40
